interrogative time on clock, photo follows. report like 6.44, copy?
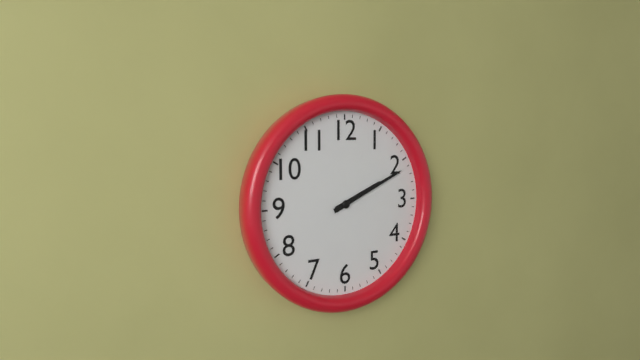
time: 2.11
